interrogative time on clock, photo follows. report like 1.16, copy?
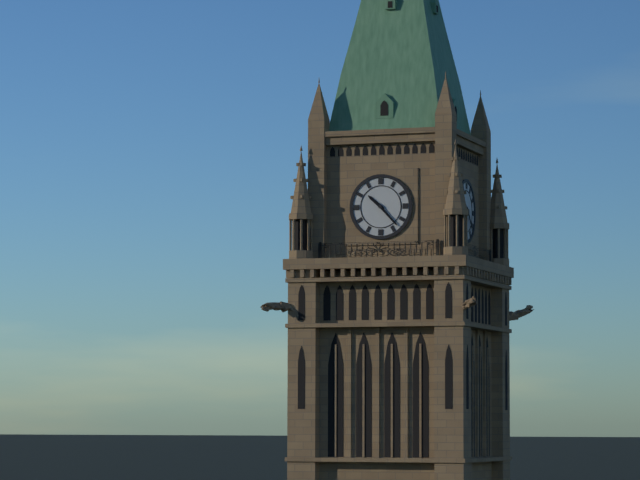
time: 10.23
